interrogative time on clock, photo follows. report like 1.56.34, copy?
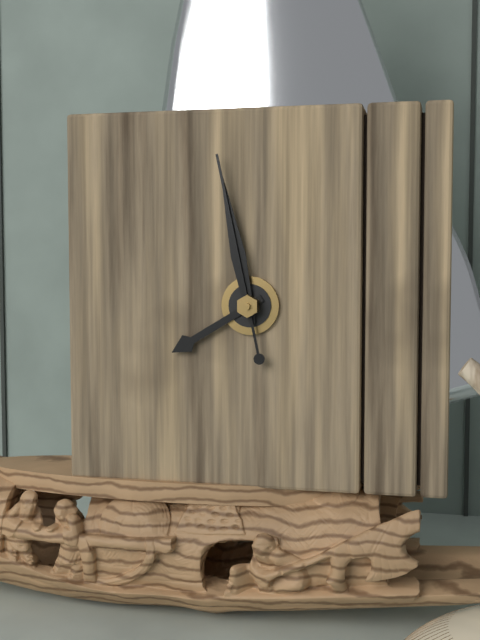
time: 7.58.58
